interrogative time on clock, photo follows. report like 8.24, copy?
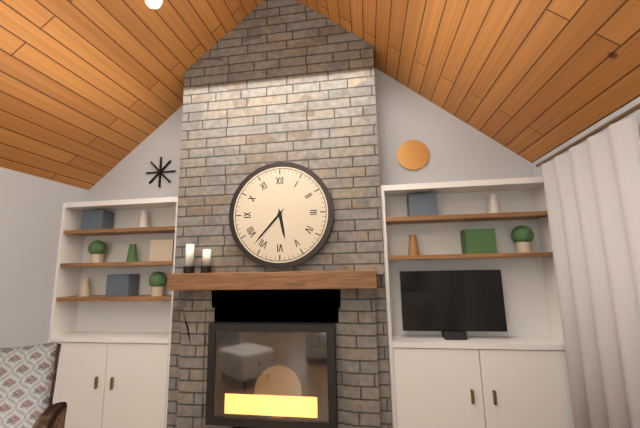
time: 5.37
